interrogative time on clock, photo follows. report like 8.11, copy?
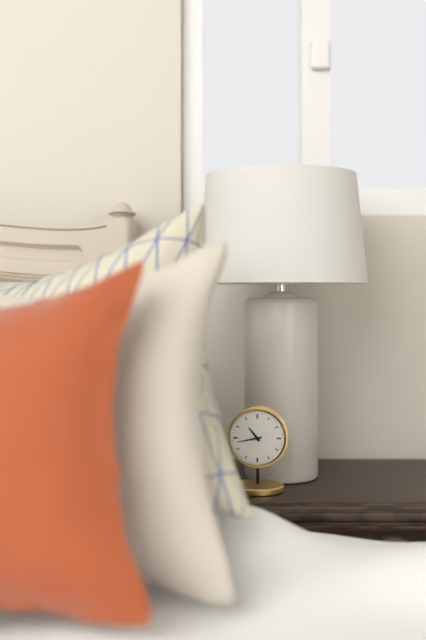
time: 10.43
